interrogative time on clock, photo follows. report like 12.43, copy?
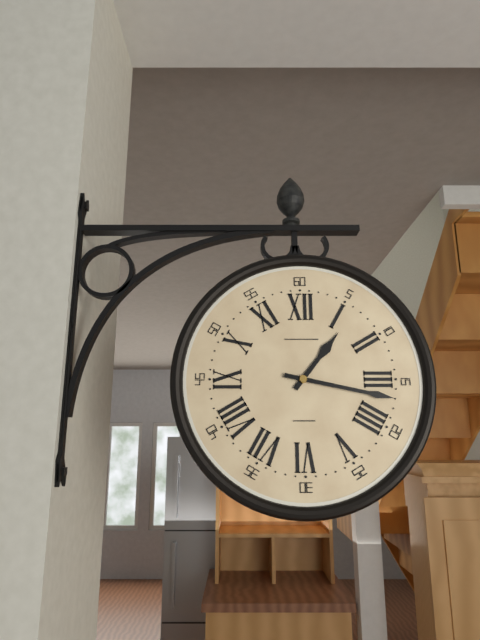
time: 1.17
